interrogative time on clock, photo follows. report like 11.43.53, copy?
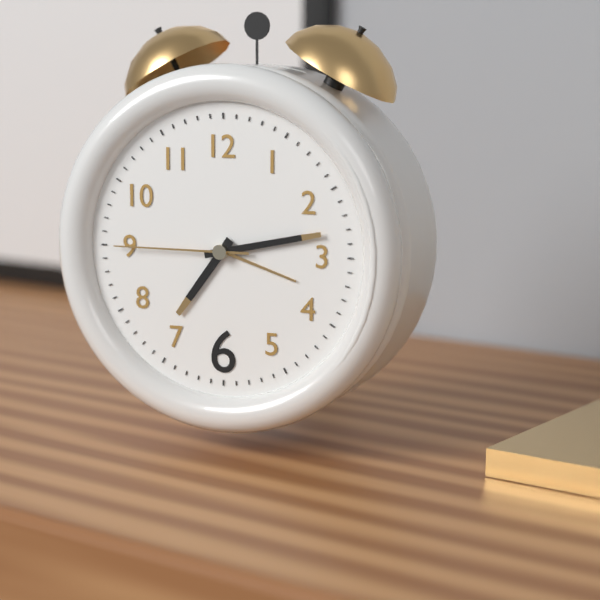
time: 7.13.45
